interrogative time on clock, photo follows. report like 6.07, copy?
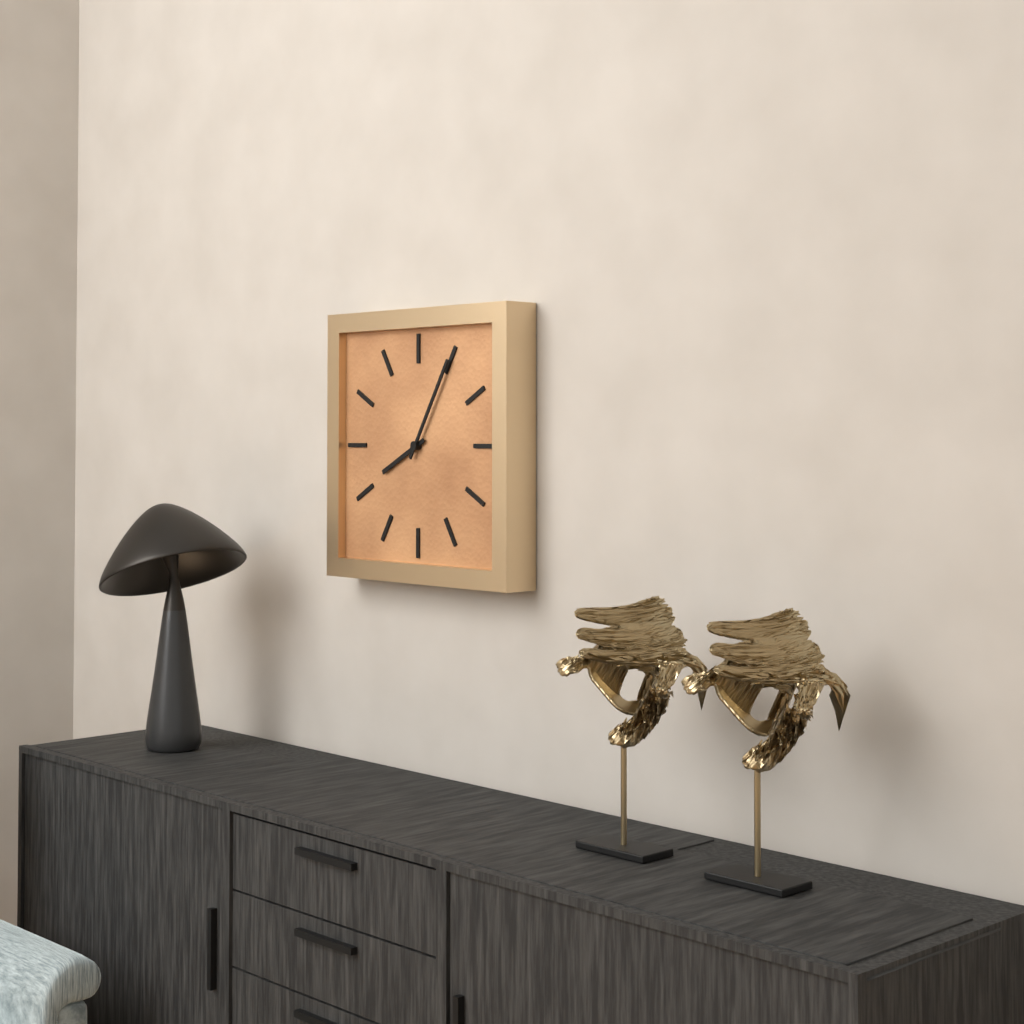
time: 8.05
